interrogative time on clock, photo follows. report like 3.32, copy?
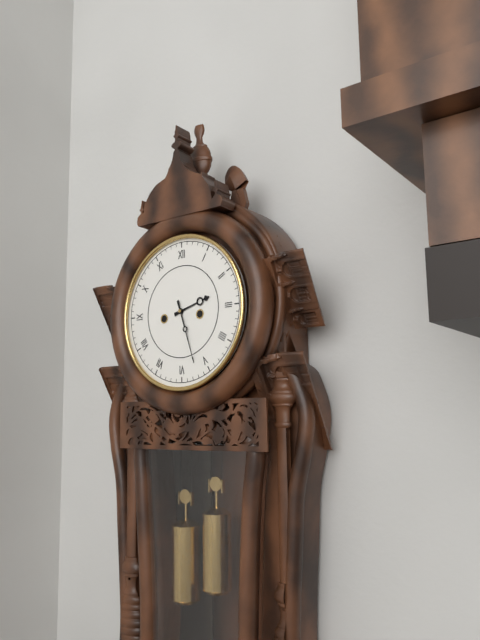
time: 2.27
